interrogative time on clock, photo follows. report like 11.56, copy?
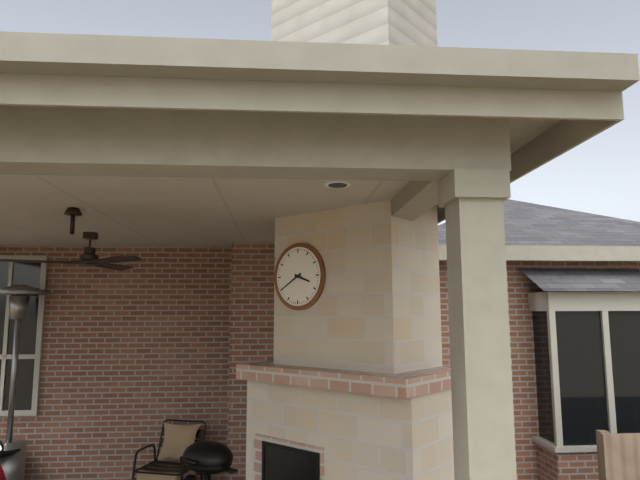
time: 3.40
